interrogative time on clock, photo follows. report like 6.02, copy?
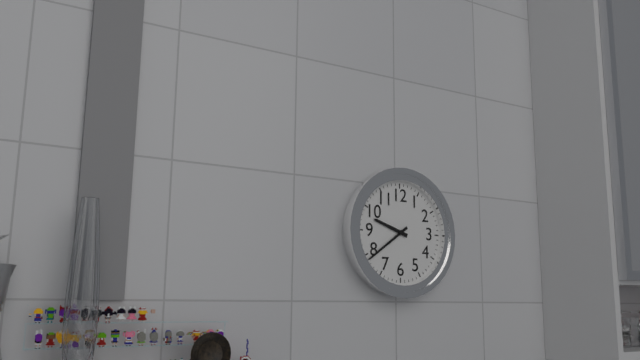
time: 9.39
